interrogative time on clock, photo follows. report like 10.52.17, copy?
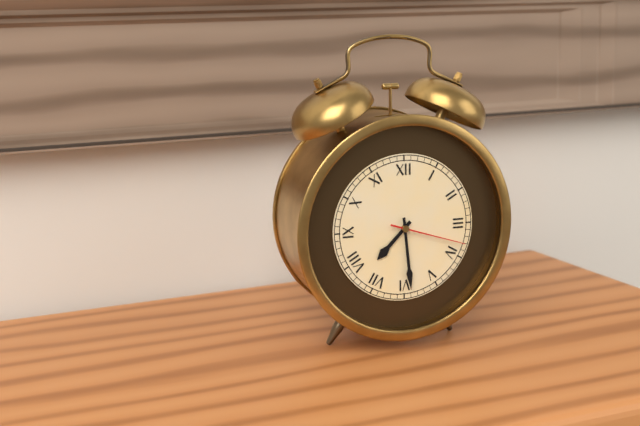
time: 7.29.18
